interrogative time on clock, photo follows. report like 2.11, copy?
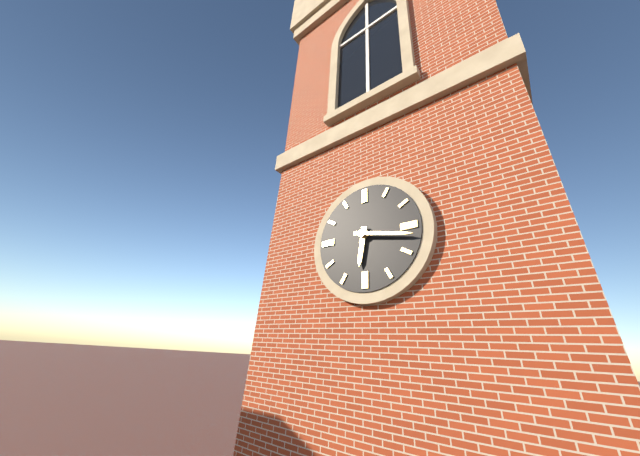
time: 6.17
